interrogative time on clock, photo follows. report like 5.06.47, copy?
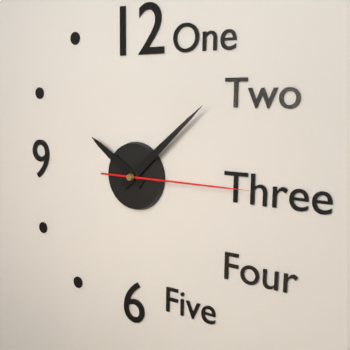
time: 10.08.15
